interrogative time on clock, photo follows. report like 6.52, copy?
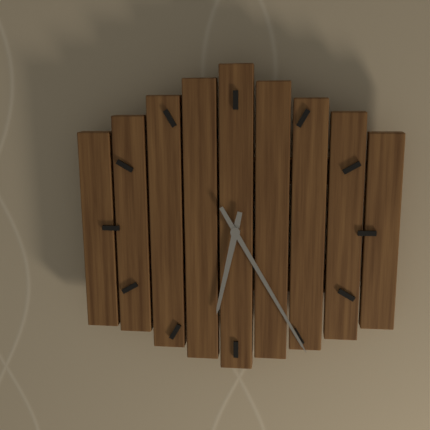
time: 6.25
